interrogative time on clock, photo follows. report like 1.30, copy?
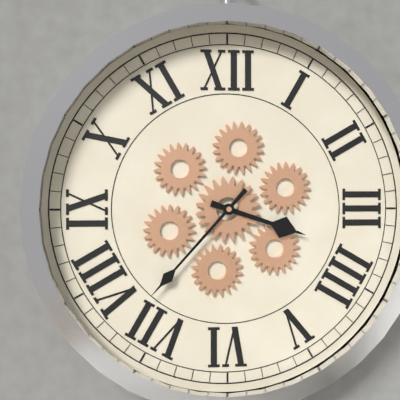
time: 3.37
